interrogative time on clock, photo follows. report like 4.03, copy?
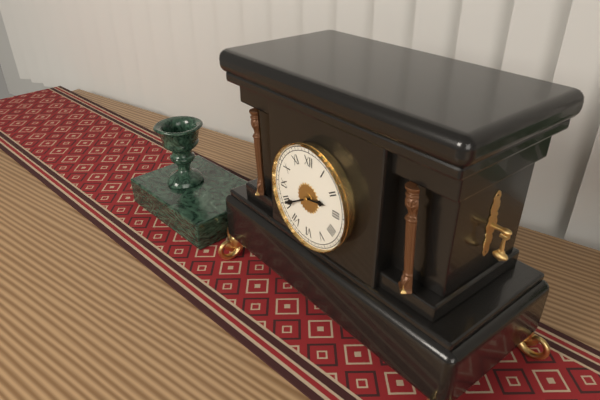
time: 2.40
